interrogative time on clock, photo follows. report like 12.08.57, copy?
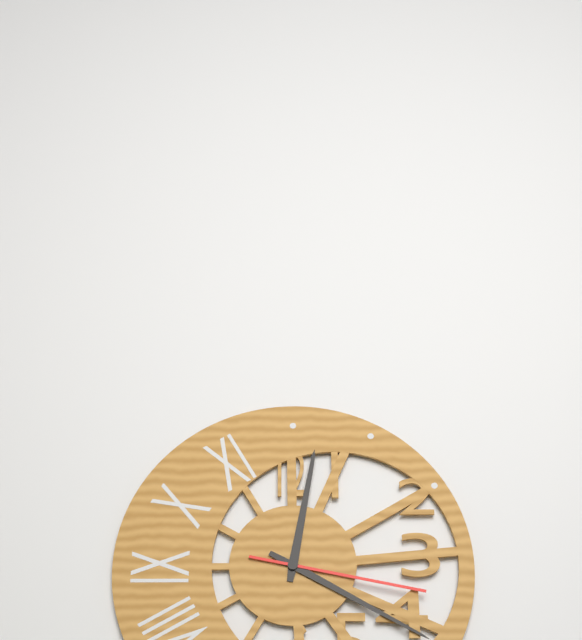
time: 12.20.17
